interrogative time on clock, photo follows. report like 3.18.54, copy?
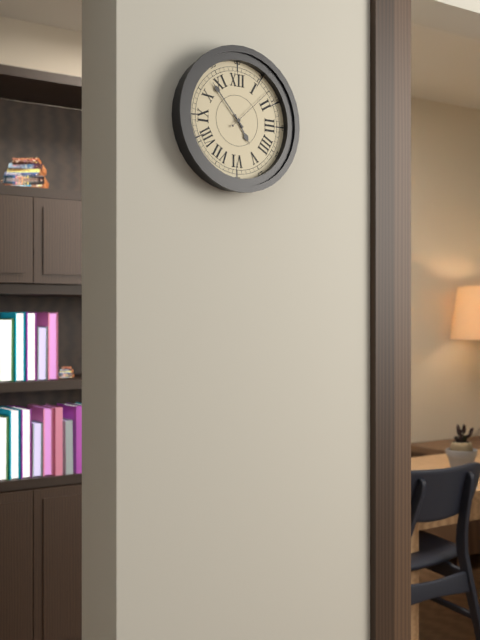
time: 4.53.08
